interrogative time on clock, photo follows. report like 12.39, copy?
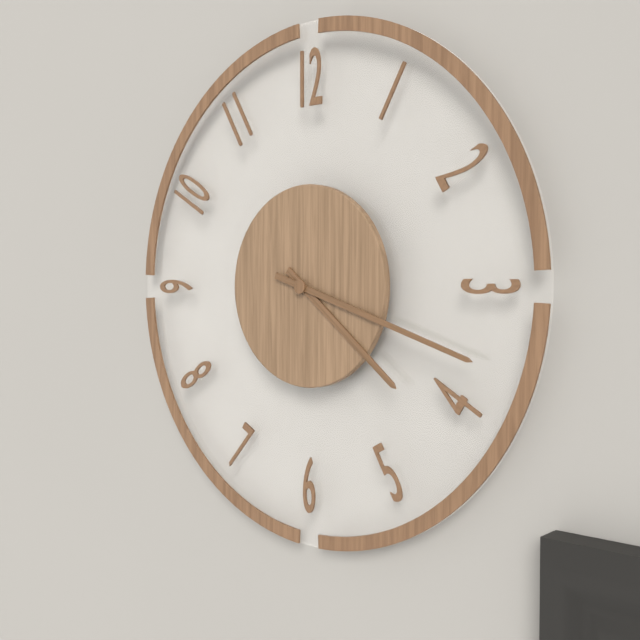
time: 4.18
